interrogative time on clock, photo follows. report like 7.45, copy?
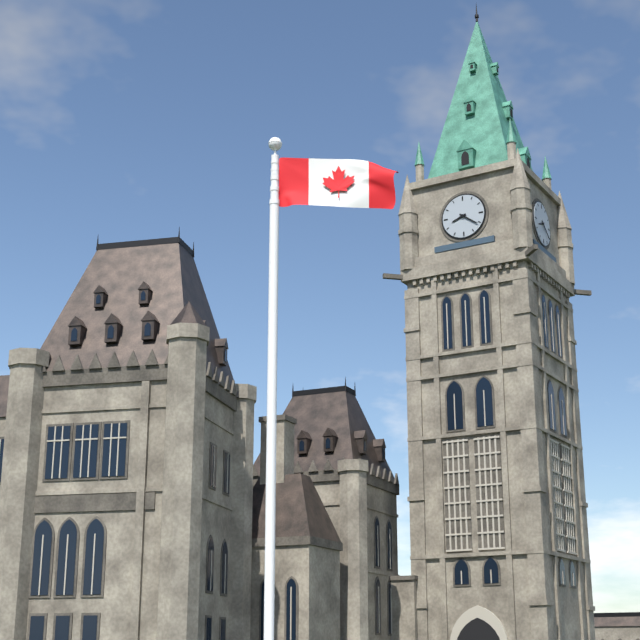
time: 8.21
